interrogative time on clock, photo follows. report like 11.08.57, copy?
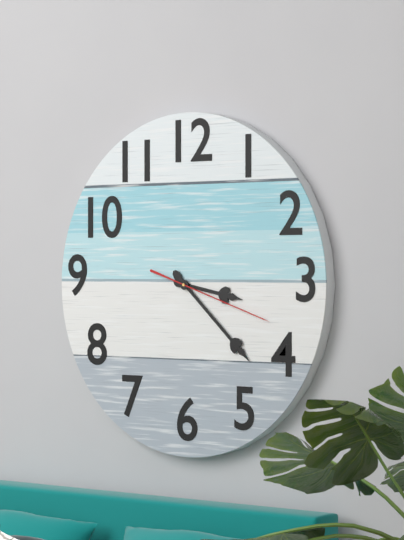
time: 3.22.18
